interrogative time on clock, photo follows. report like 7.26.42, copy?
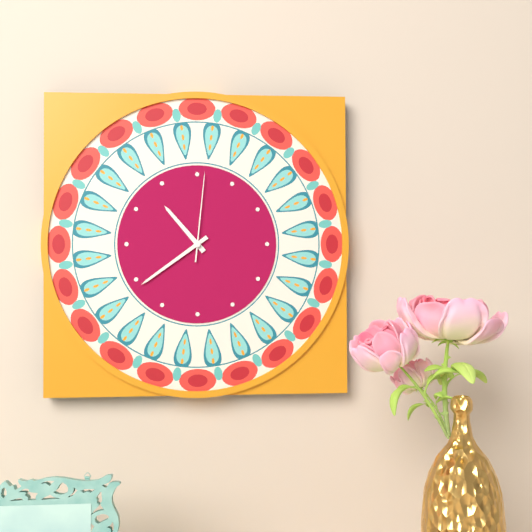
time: 10.39.01
